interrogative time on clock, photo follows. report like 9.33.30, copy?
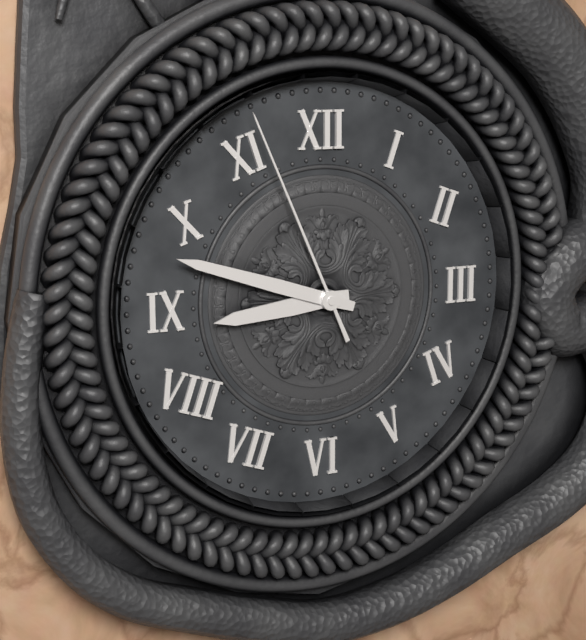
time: 8.48.56
